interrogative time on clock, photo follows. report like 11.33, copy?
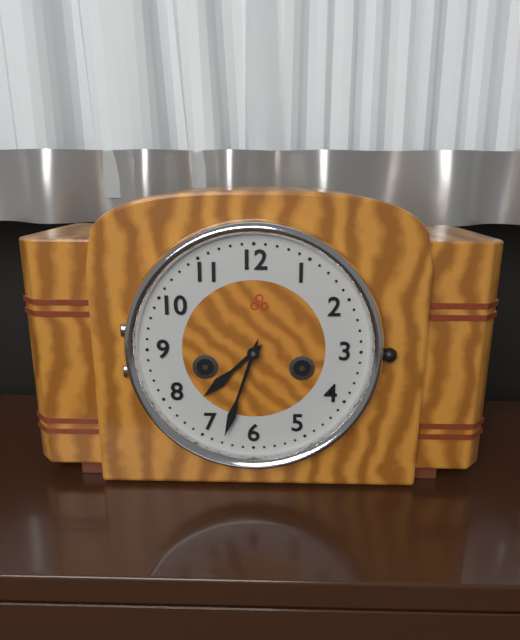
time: 7.33
